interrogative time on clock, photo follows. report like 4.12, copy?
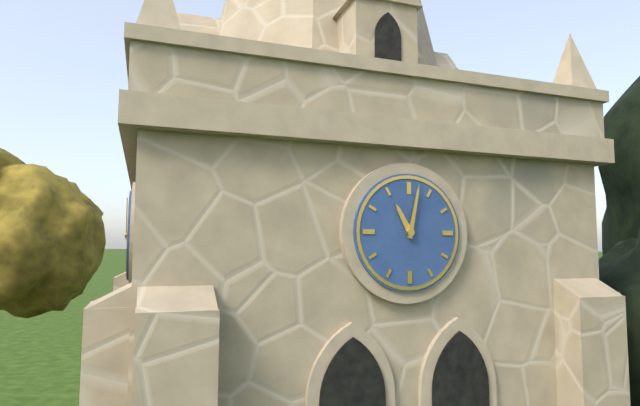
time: 11.02
